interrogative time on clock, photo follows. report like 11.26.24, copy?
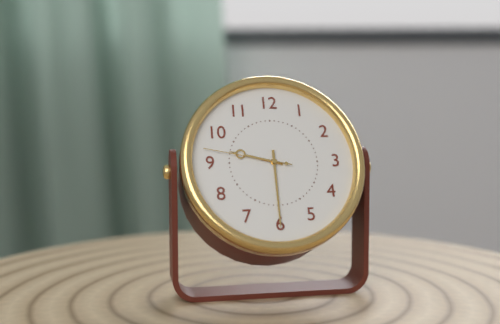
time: 9.30.47
